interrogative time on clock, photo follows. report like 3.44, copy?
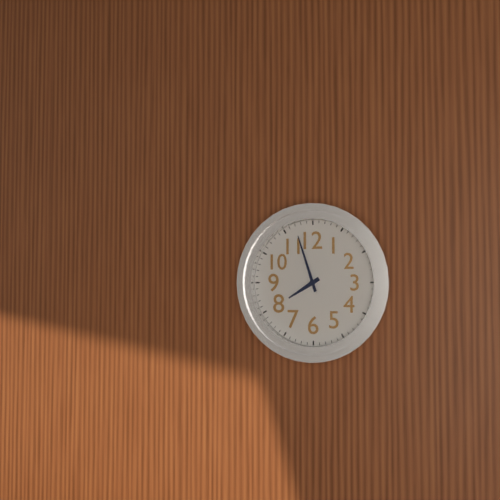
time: 7.57
